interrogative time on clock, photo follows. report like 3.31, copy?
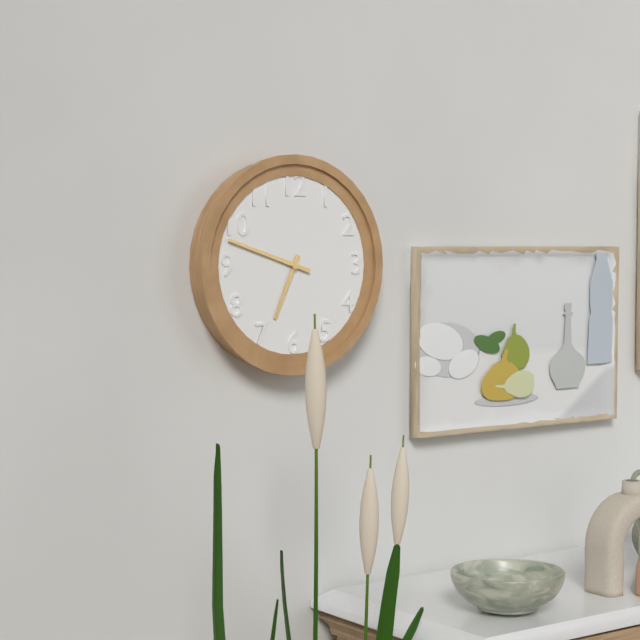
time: 6.48
